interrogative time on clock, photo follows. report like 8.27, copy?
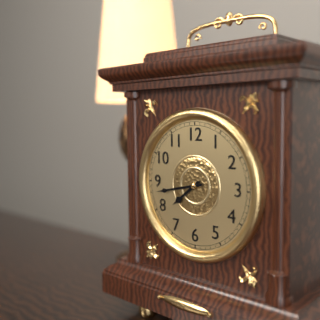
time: 7.43
